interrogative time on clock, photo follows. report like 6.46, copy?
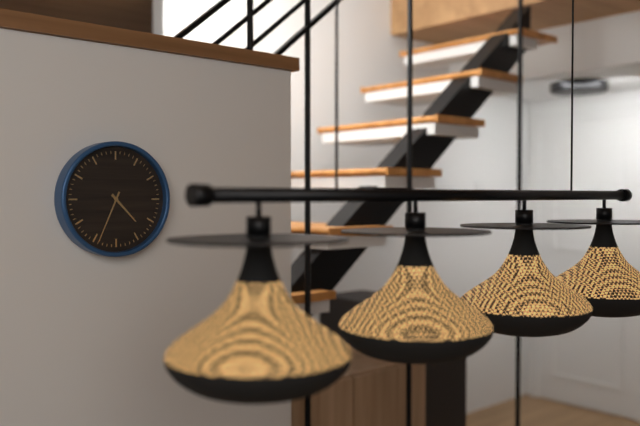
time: 4.34
